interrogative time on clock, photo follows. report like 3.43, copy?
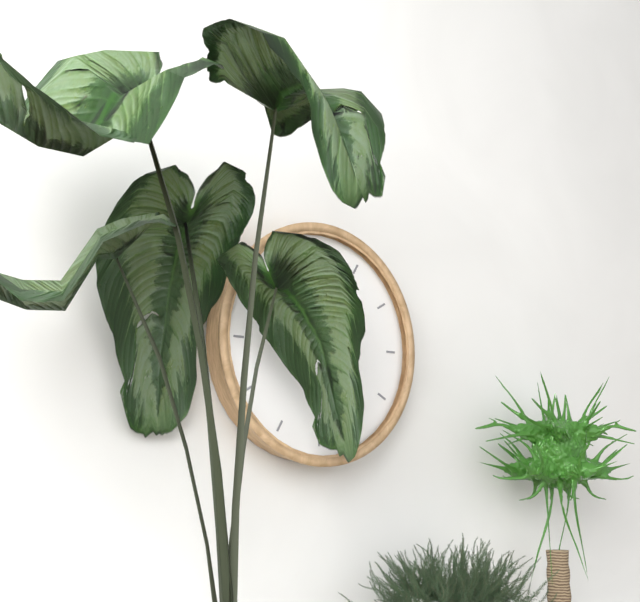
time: 10.50
